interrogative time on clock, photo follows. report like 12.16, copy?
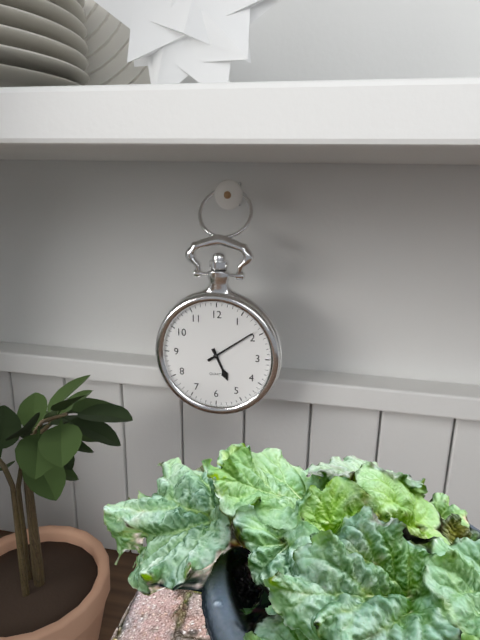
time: 5.09
